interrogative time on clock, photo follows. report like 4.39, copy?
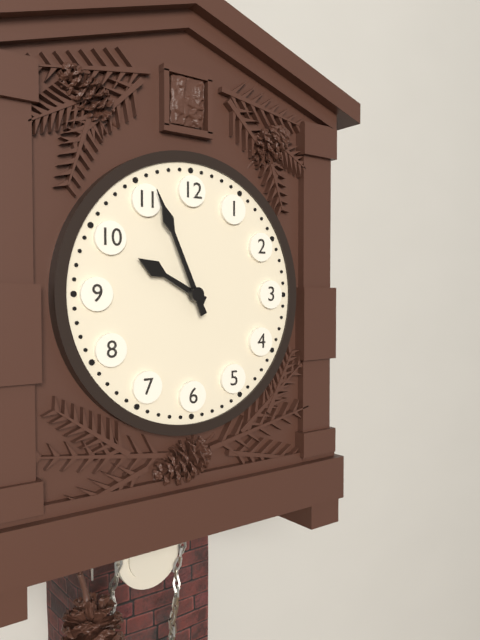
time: 9.56
